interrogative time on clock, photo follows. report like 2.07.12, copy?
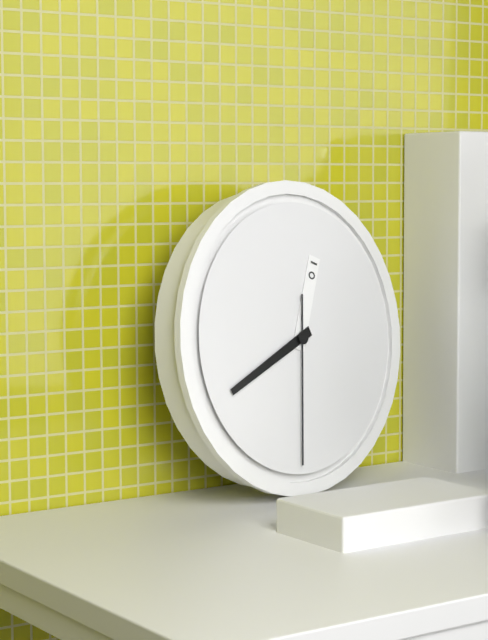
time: 12.41.31
